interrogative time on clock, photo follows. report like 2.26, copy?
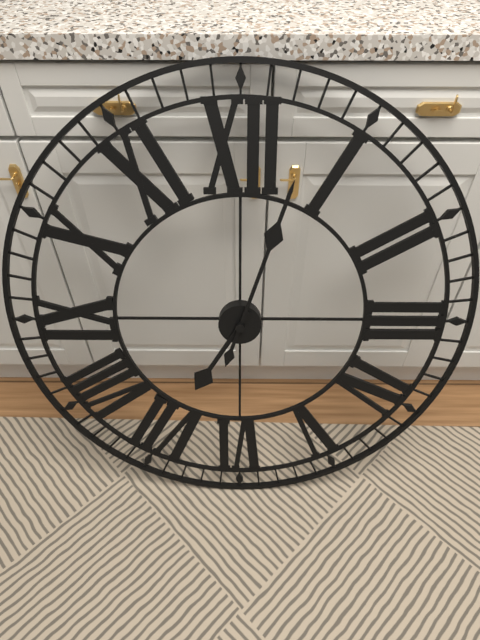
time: 7.03
